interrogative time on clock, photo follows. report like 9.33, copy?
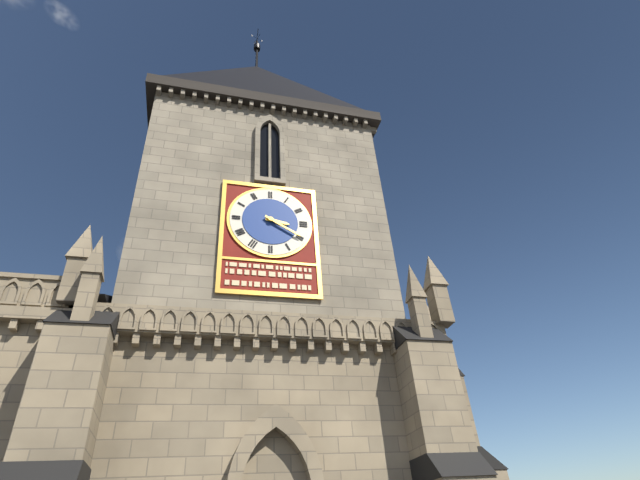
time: 3.20
